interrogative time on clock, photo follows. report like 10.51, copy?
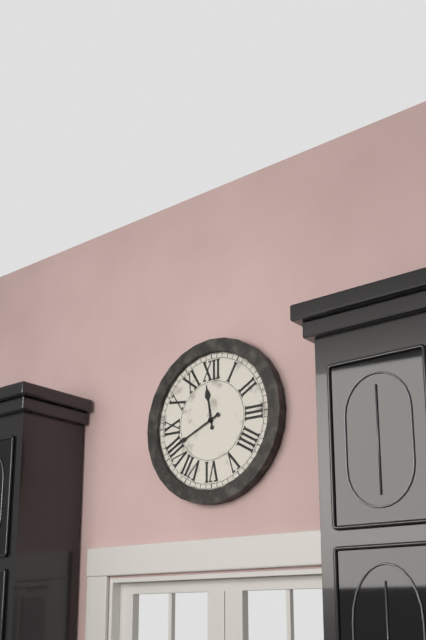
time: 11.41
